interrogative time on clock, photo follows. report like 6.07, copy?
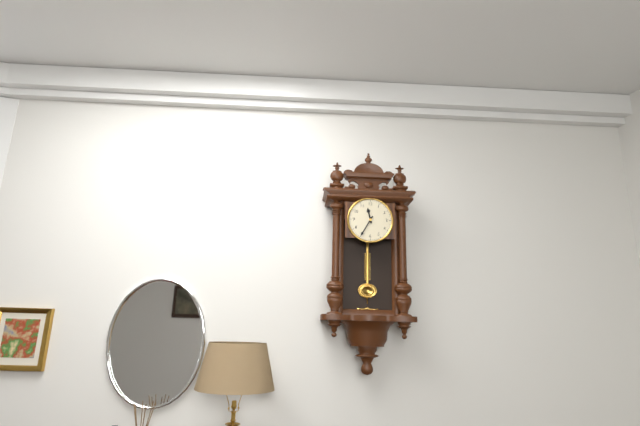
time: 11.35
